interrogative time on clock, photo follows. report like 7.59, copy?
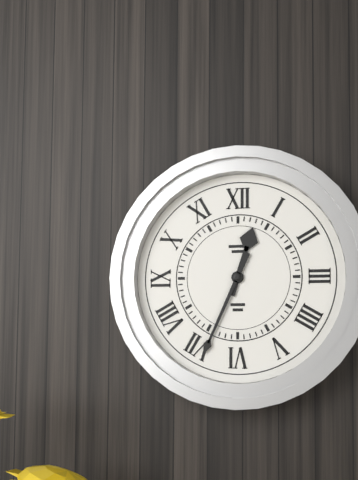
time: 12.34
